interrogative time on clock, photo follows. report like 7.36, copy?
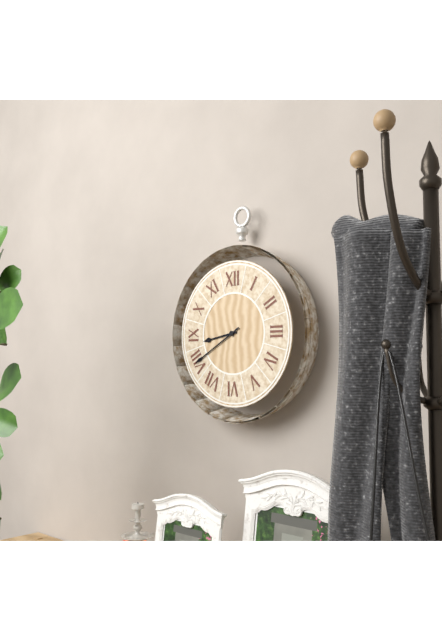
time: 8.40
